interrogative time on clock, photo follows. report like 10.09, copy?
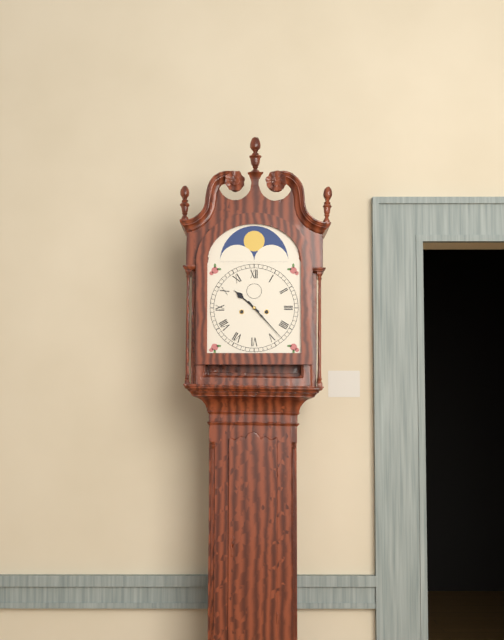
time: 10.23
